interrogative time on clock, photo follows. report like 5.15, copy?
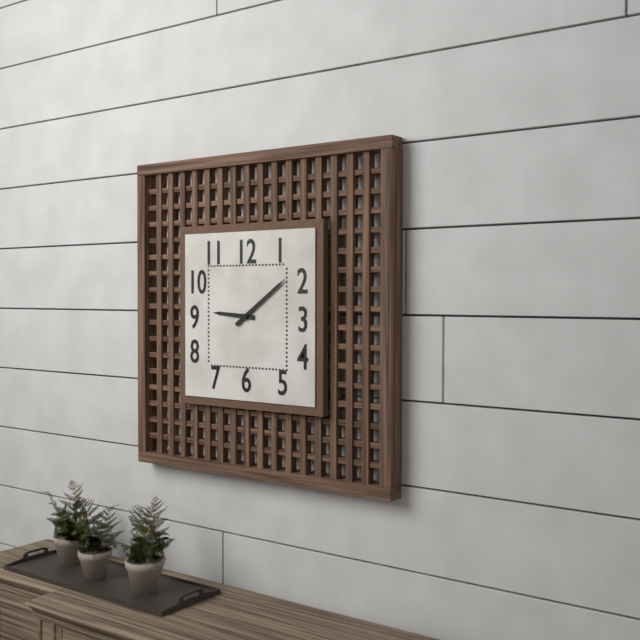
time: 9.09
